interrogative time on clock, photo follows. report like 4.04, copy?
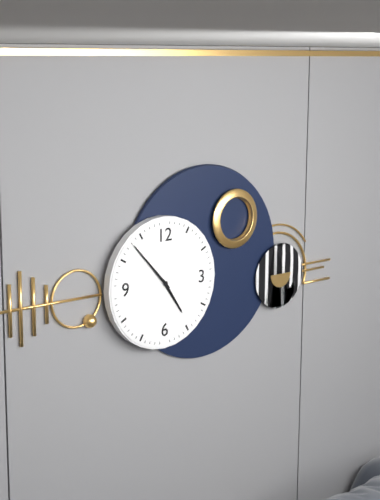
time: 4.53
